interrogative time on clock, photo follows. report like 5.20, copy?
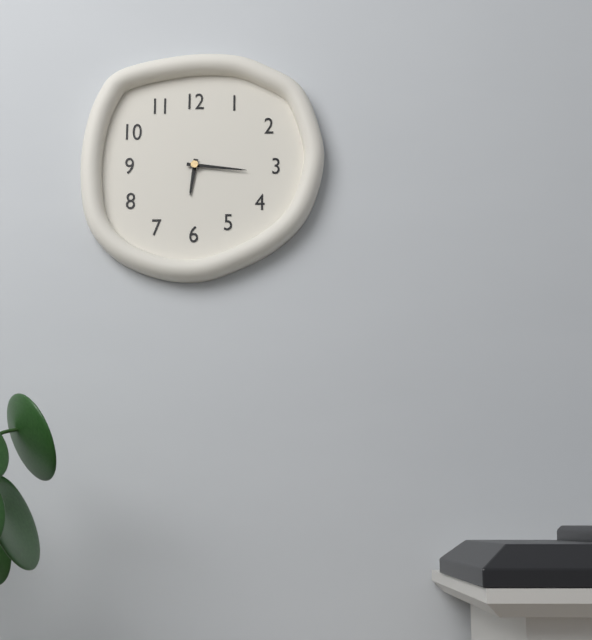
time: 6.16
